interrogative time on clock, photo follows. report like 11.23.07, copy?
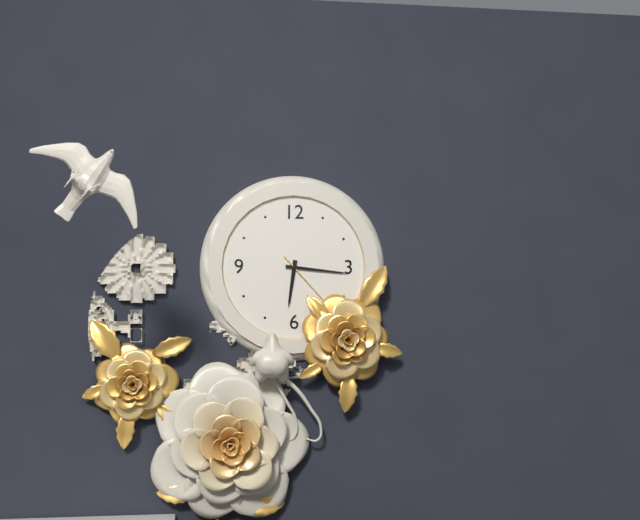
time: 6.16.23
